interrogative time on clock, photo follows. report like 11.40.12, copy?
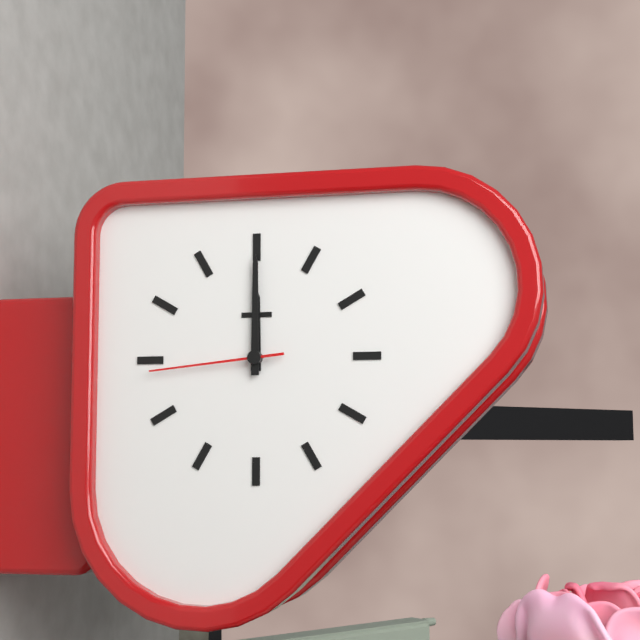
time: 12.00.44
